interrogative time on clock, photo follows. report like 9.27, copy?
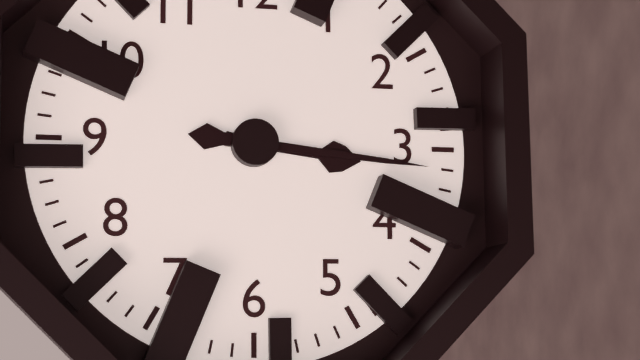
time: 3.16
